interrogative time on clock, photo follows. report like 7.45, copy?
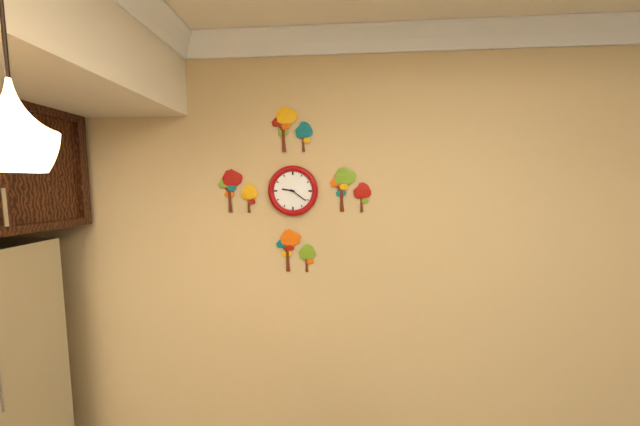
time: 9.21
